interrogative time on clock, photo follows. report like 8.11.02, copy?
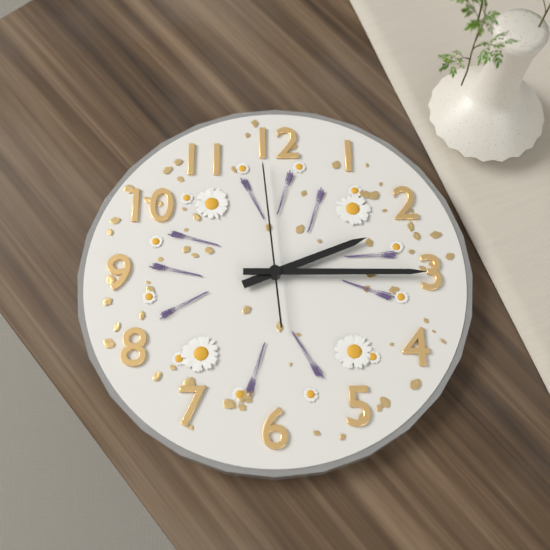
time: 2.15.59
